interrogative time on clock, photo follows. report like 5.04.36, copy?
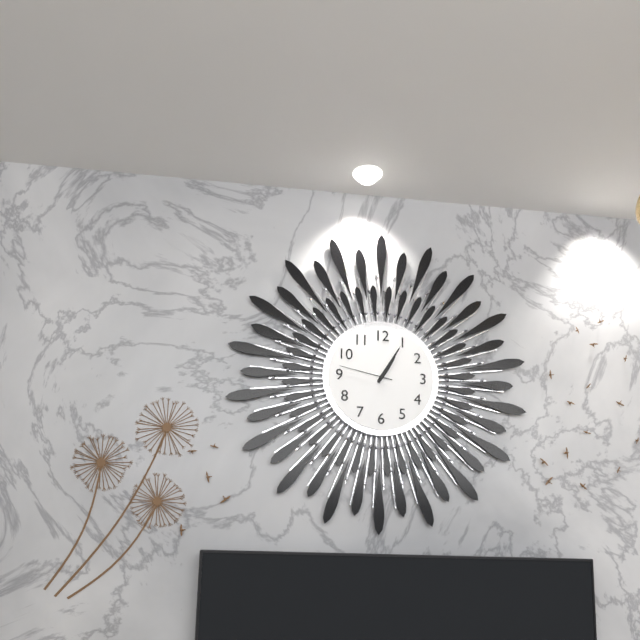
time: 1.05.47
